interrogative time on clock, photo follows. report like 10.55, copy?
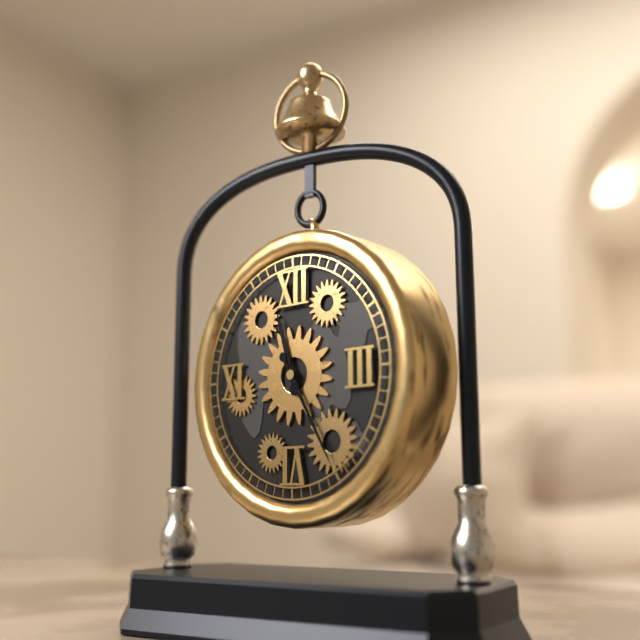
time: 11.25
